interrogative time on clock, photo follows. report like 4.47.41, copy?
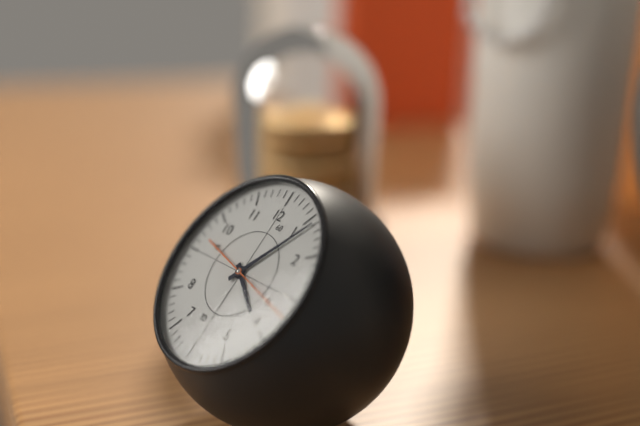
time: 4.06.17
